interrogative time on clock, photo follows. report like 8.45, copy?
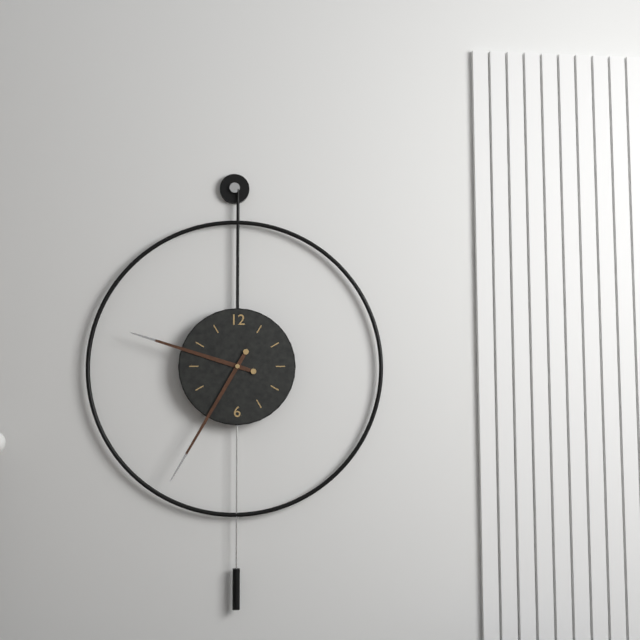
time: 9.35
